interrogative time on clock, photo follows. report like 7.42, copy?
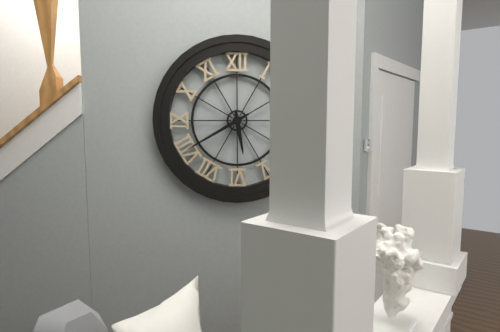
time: 5.40
